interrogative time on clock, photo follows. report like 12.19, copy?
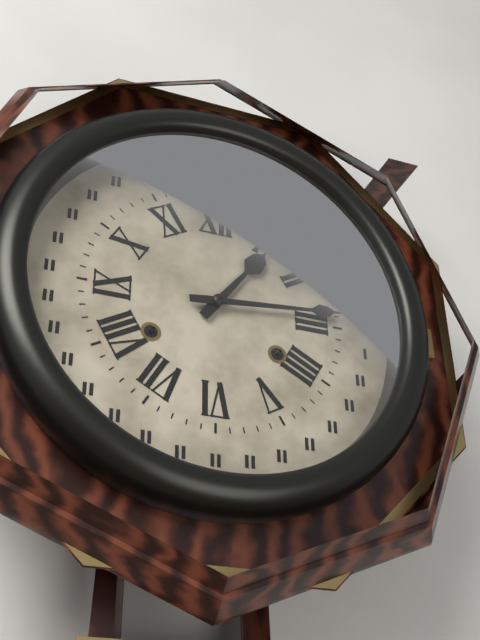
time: 1.14
